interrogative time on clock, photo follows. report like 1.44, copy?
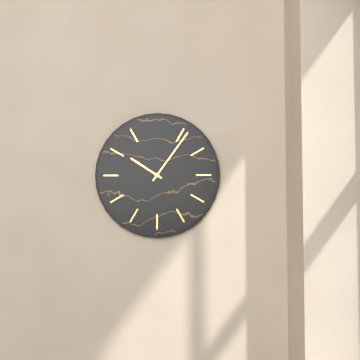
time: 10.06
